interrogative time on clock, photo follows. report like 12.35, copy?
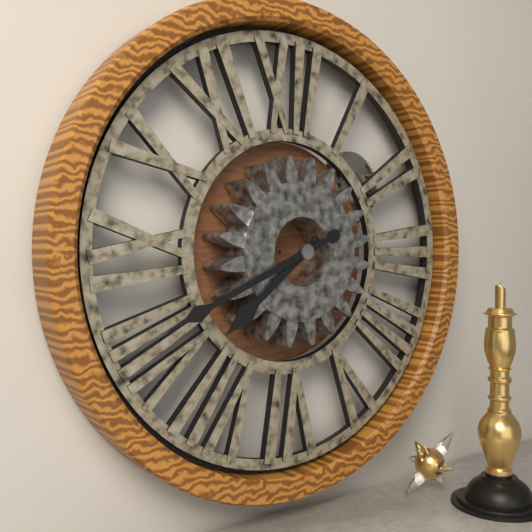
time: 7.41
